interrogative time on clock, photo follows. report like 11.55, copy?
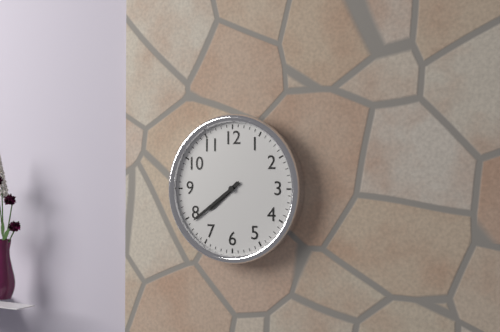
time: 7.39
